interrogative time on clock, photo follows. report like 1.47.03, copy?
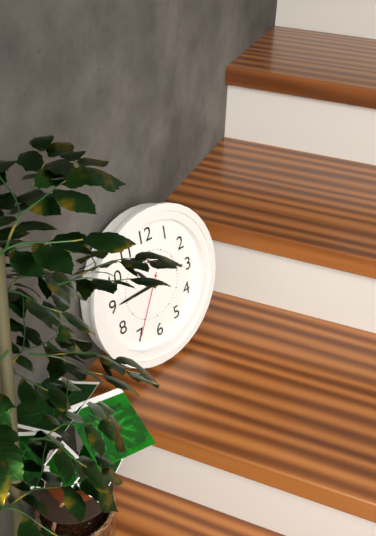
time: 10.45.35
